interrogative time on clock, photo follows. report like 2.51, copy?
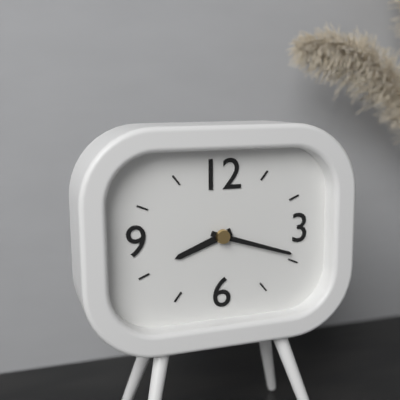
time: 8.18
